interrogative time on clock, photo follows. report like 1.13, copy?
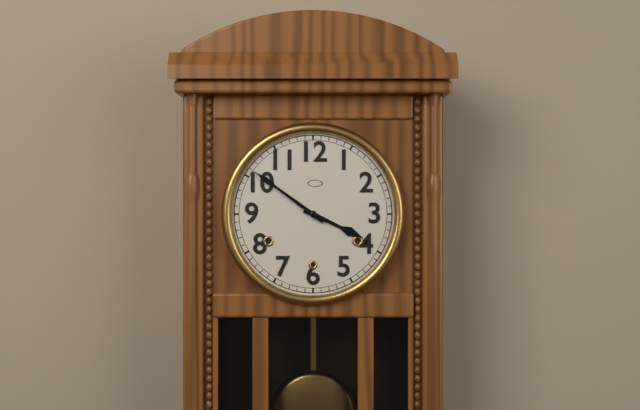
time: 3.51
